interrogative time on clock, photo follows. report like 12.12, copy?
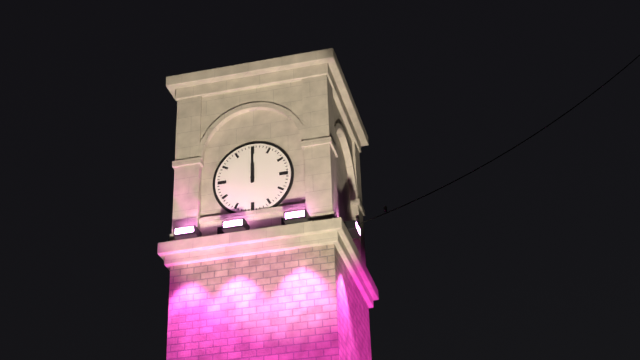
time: 12.00
